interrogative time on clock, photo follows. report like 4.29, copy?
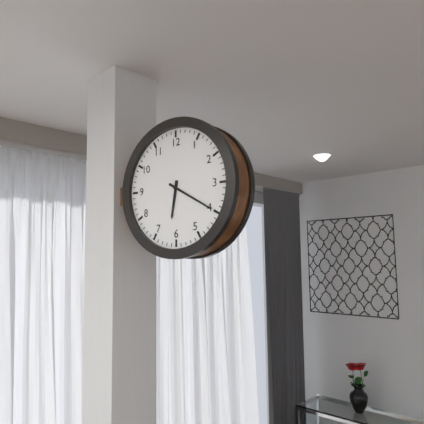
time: 6.20
